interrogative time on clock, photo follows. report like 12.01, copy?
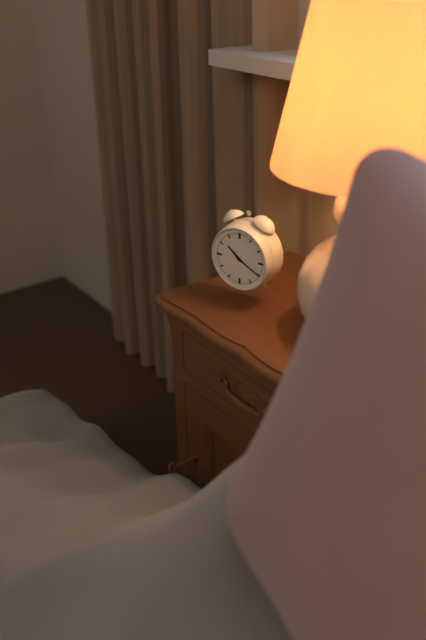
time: 10.20
